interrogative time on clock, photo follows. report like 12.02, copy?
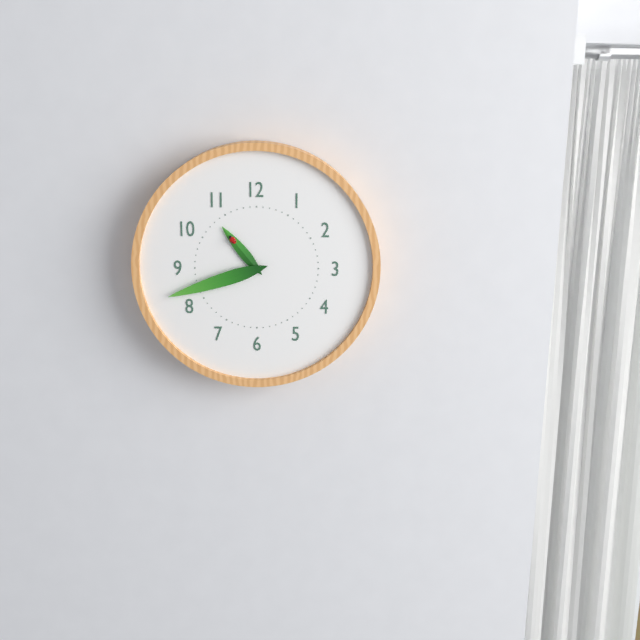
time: 10.42
